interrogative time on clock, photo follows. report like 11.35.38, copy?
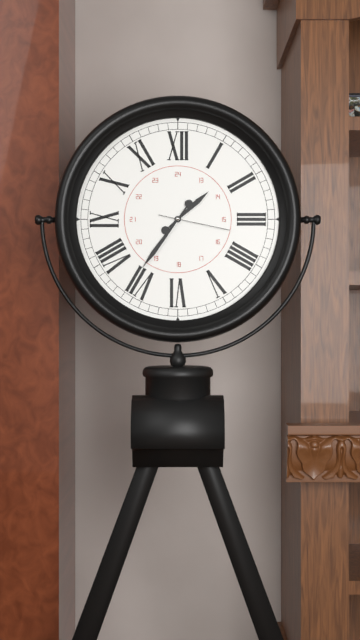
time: 1.36.17
